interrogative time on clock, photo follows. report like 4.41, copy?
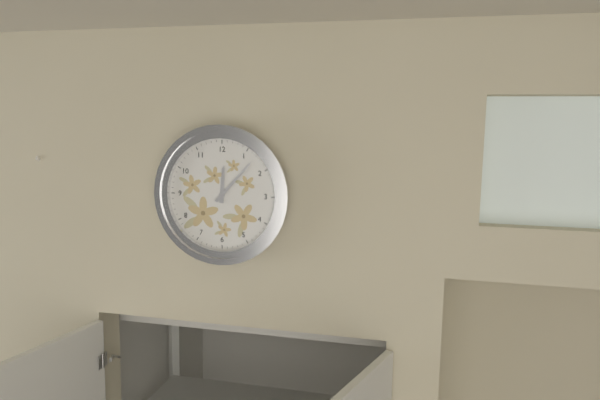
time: 12.07
